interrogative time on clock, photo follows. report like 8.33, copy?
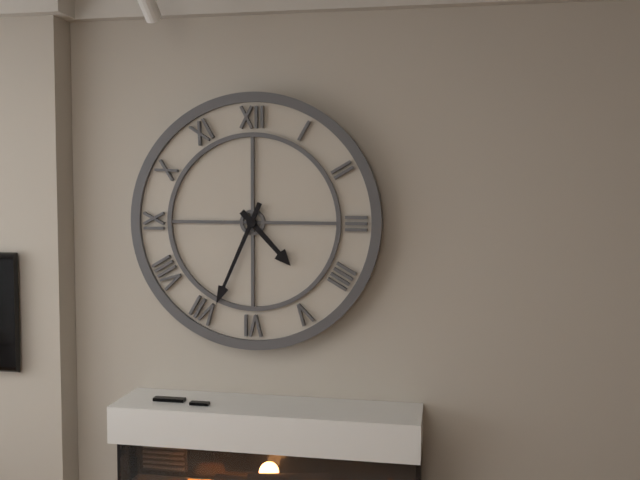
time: 4.34
